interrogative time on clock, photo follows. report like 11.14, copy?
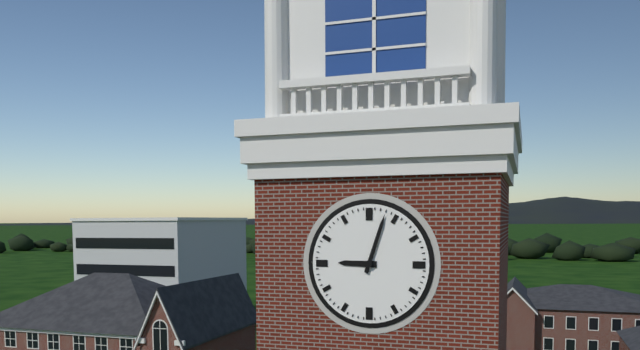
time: 9.03
